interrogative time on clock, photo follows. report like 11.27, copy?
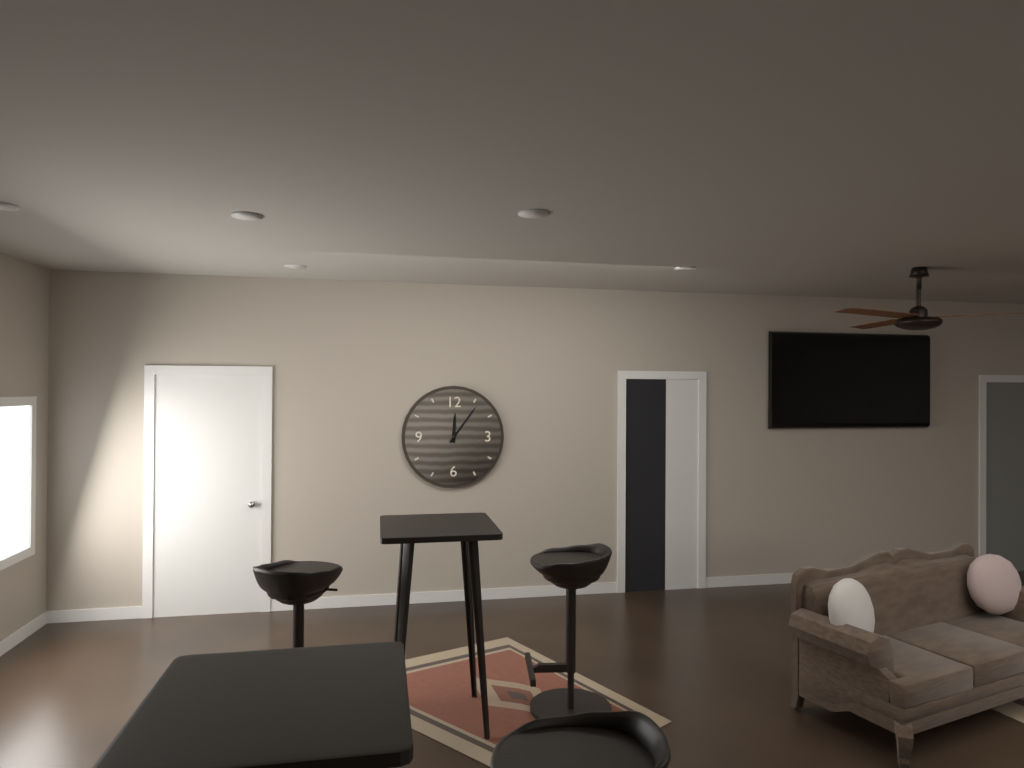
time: 12.06
